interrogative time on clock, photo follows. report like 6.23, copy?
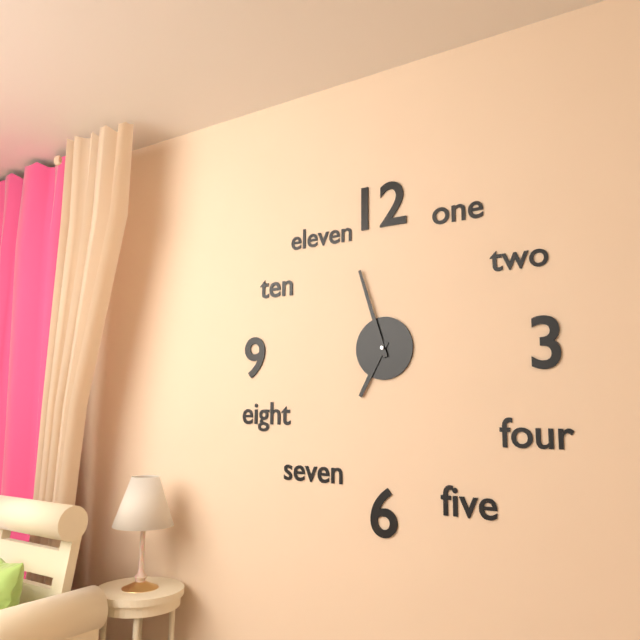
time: 6.57
